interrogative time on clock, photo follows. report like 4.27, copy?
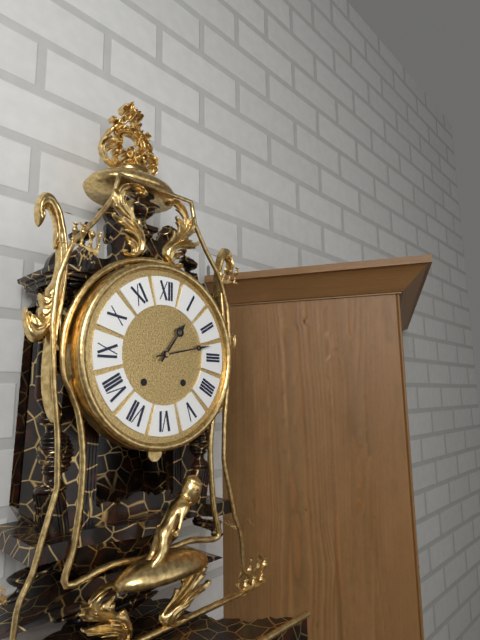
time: 1.13
